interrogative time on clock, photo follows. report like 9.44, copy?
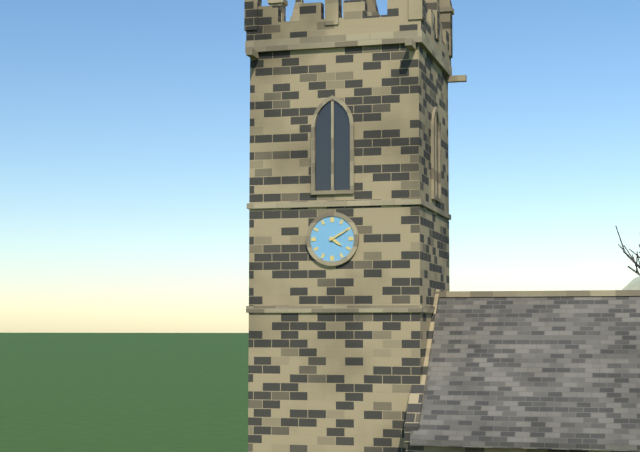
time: 4.10
